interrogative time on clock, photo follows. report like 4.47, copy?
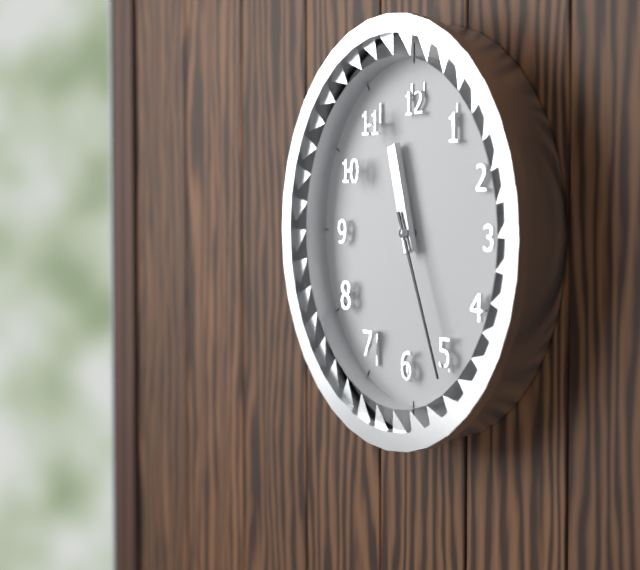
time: 11.26
